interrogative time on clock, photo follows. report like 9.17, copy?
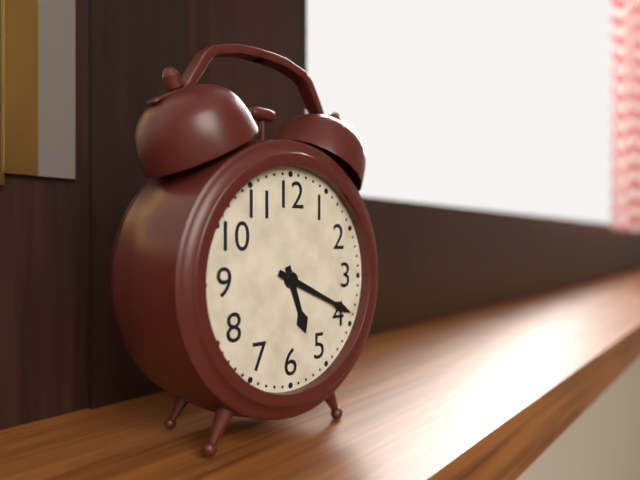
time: 5.19
